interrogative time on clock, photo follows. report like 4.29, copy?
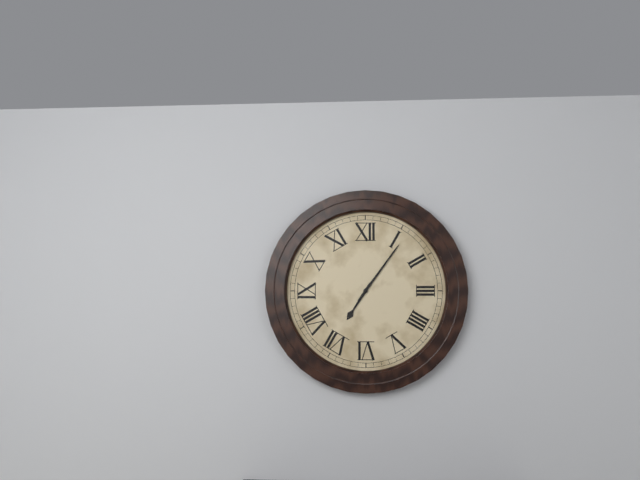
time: 7.06
